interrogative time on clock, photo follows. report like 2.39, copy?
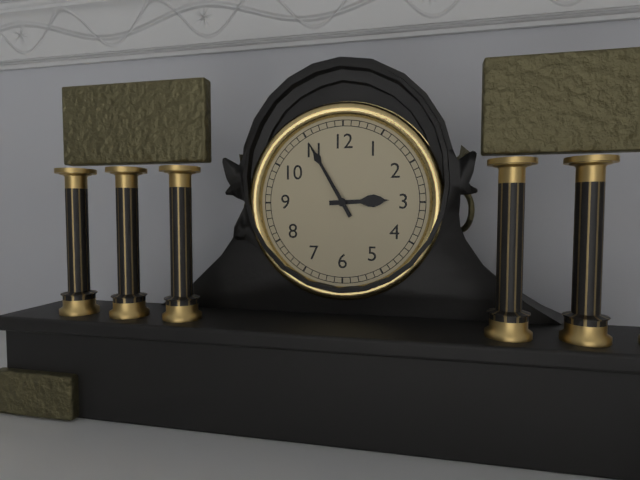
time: 2.55
